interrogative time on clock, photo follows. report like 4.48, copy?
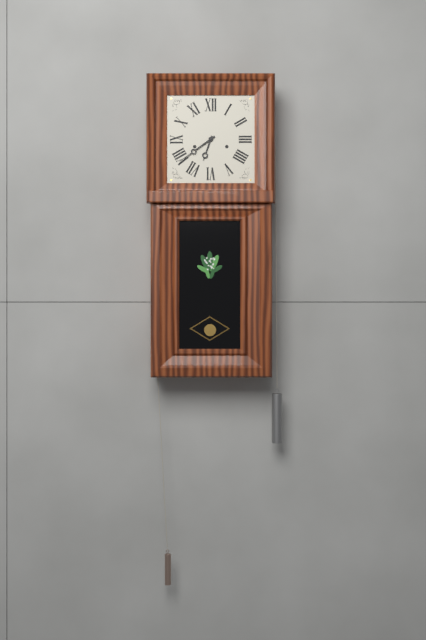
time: 6.39
